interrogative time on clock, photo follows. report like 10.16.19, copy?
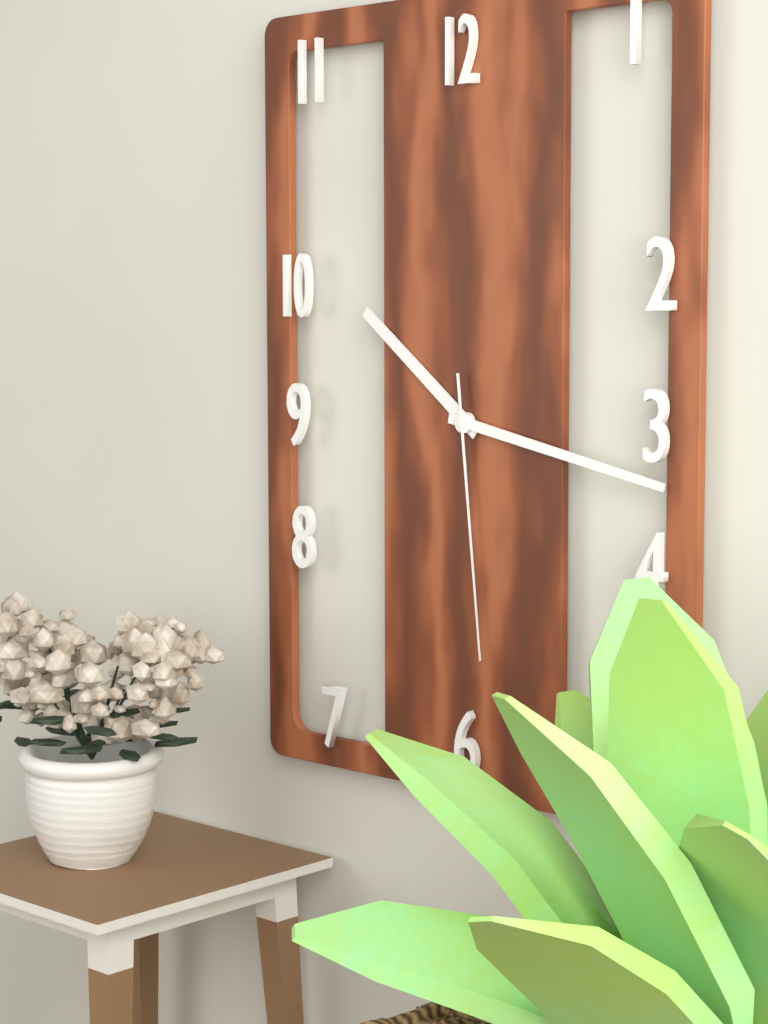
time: 10.17.29
